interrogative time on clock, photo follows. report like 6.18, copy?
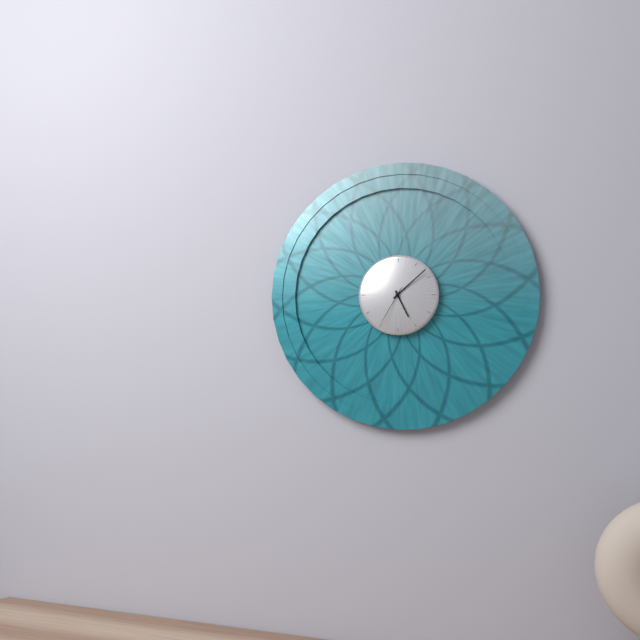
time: 5.08
